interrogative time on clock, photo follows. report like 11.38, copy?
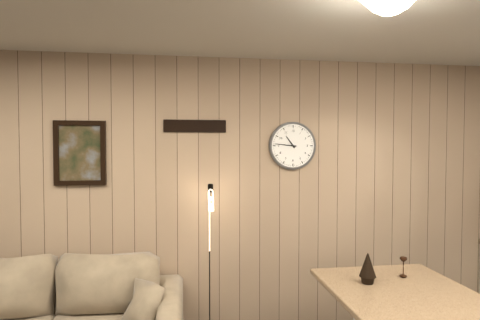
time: 10.46
